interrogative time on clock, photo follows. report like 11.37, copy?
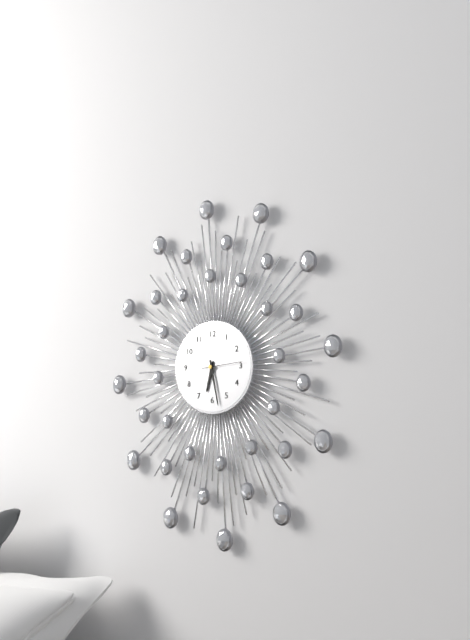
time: 6.28
